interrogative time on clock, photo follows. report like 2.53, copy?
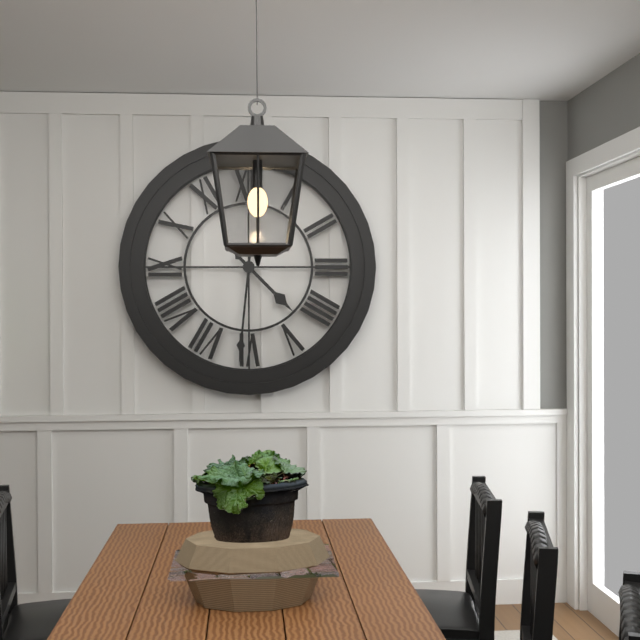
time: 4.31
